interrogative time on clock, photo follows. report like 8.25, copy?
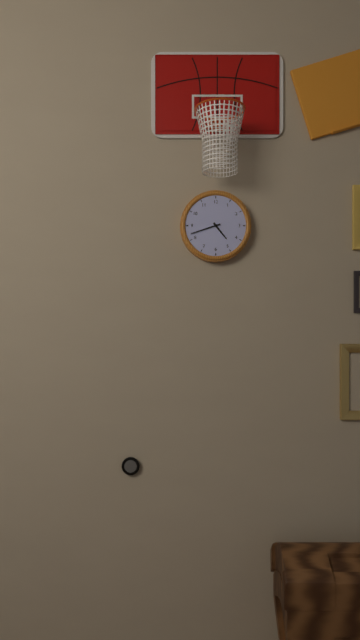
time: 4.42
